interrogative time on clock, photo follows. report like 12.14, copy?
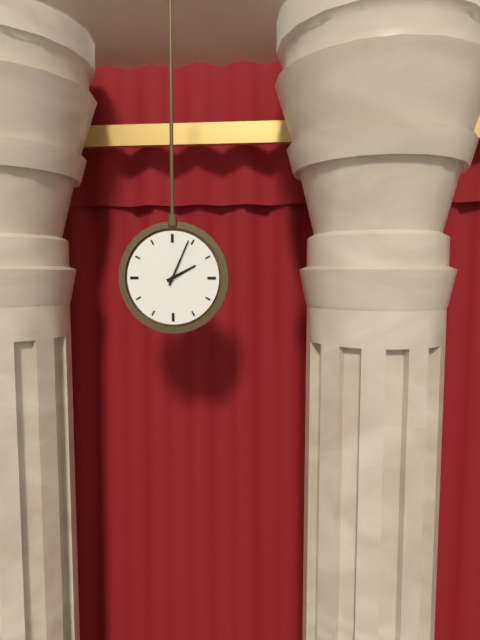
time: 2.04
